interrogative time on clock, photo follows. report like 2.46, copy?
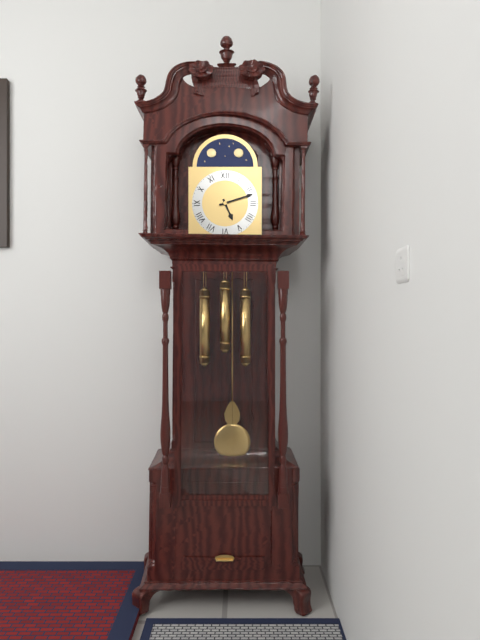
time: 5.12
